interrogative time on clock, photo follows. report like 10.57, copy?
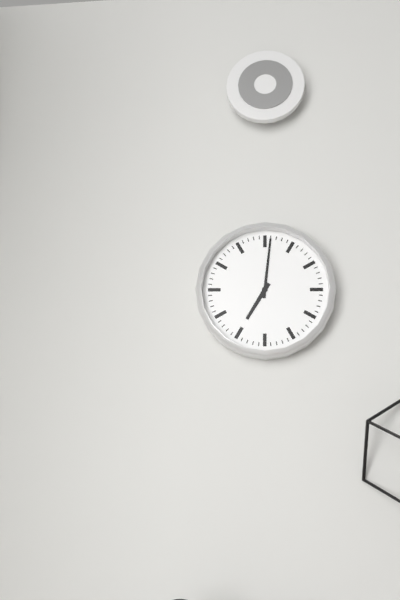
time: 7.01
